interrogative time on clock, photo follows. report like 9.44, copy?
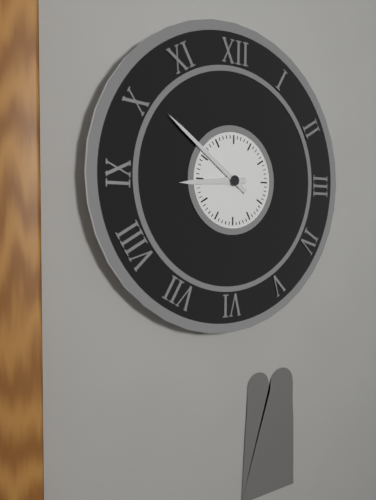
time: 8.51
